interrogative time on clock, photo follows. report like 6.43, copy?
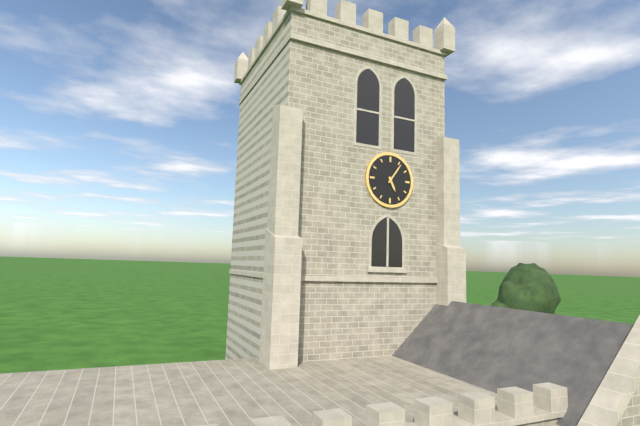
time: 5.06
